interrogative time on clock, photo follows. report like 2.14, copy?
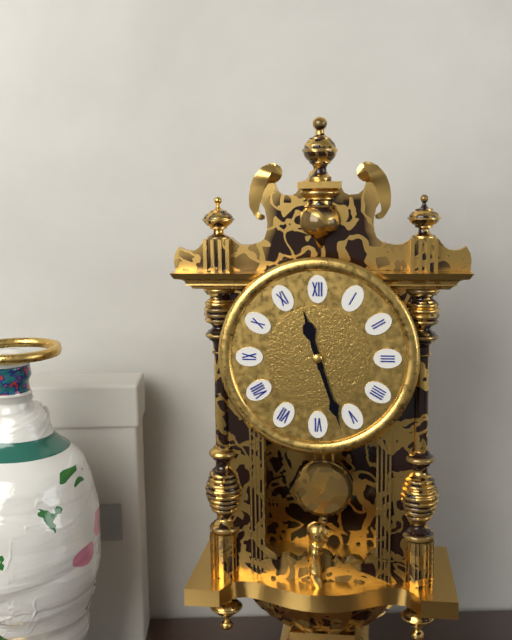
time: 11.27
